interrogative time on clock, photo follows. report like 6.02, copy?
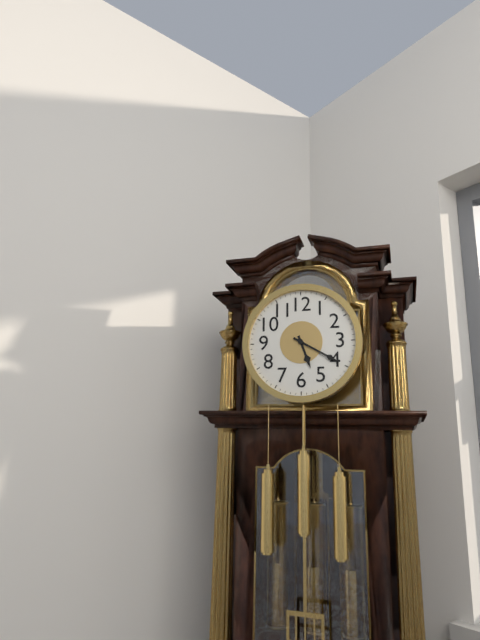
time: 5.20
